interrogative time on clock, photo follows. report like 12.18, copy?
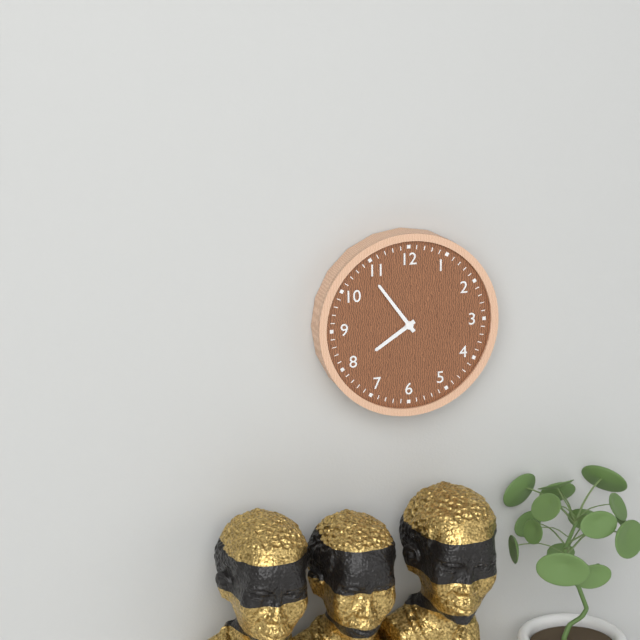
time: 7.54
